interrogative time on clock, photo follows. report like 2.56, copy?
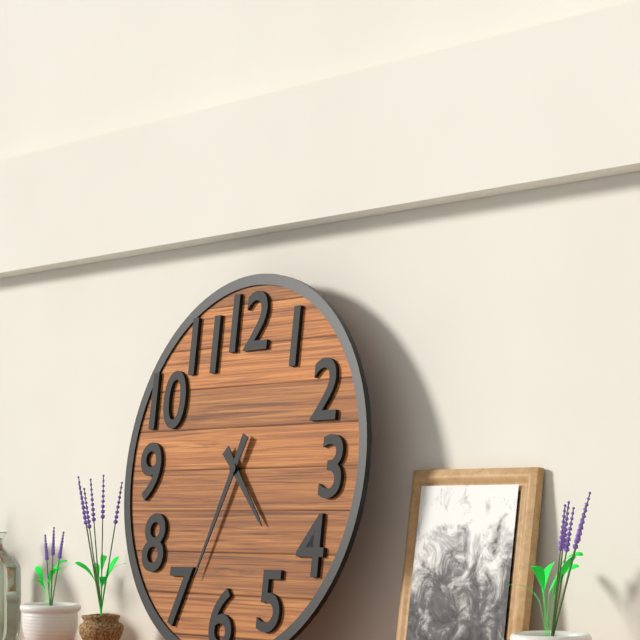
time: 4.34
